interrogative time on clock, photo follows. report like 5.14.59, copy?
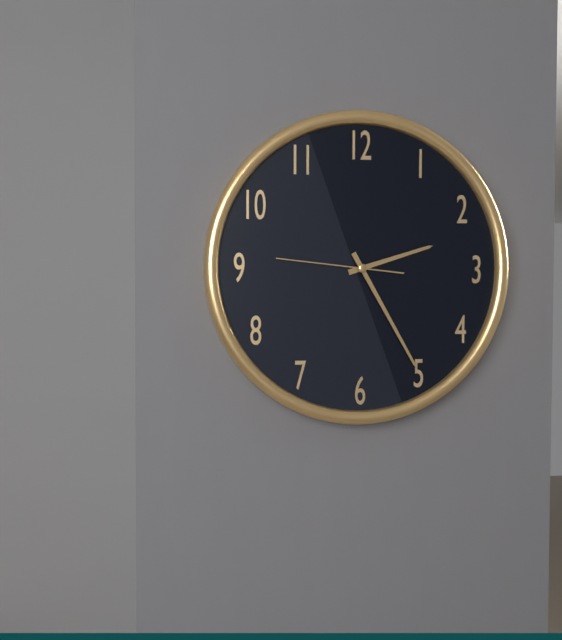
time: 2.25.46
